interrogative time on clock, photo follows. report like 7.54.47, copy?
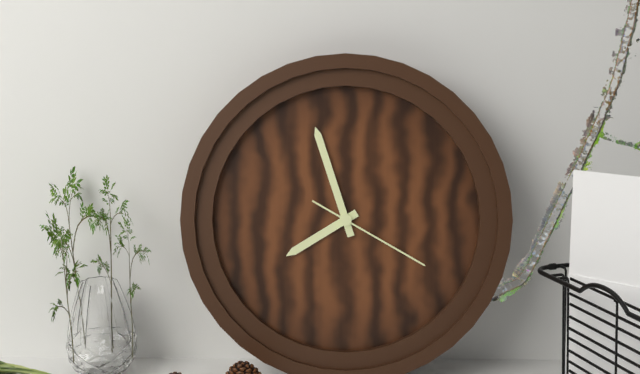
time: 7.57.20
